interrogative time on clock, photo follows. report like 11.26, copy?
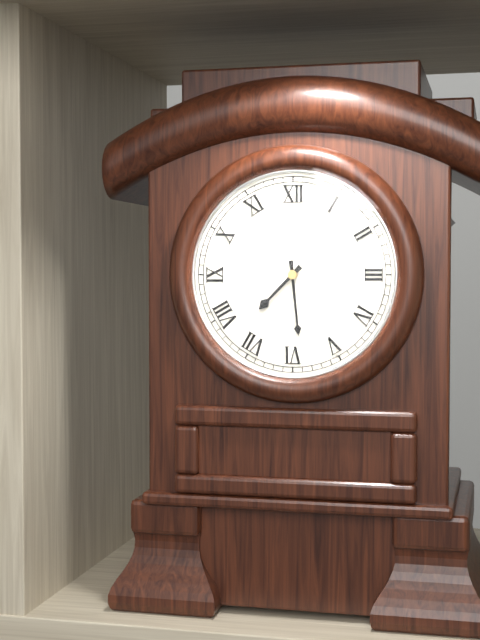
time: 7.29
